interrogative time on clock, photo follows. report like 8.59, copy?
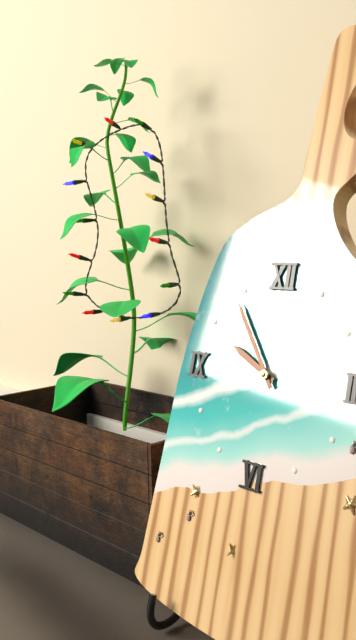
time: 9.54
